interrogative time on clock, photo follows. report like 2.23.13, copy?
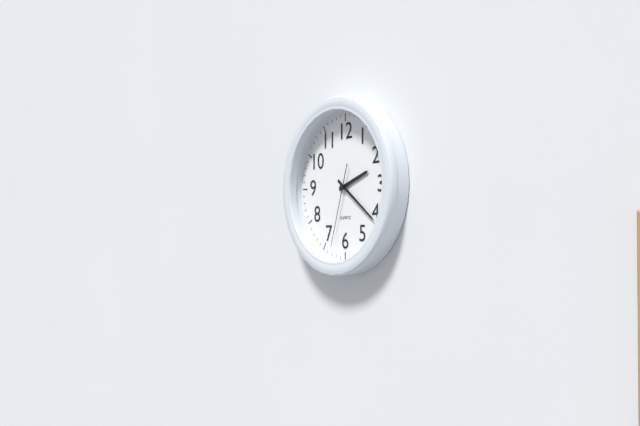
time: 2.21.33
